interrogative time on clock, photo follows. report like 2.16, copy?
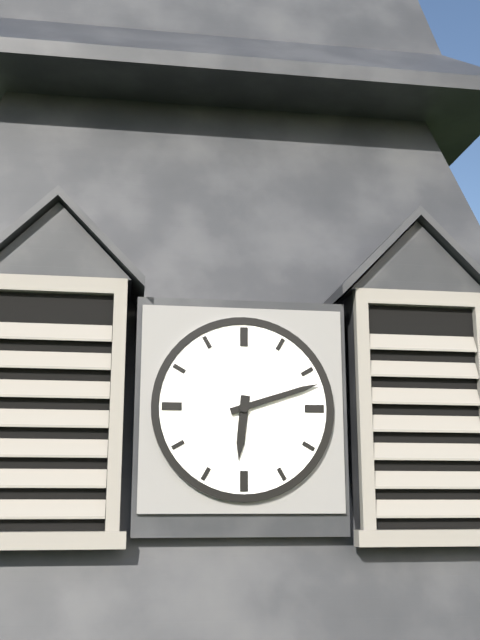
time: 6.12
